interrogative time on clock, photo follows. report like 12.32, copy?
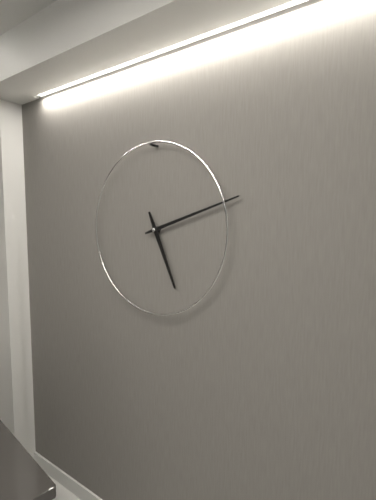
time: 5.12
